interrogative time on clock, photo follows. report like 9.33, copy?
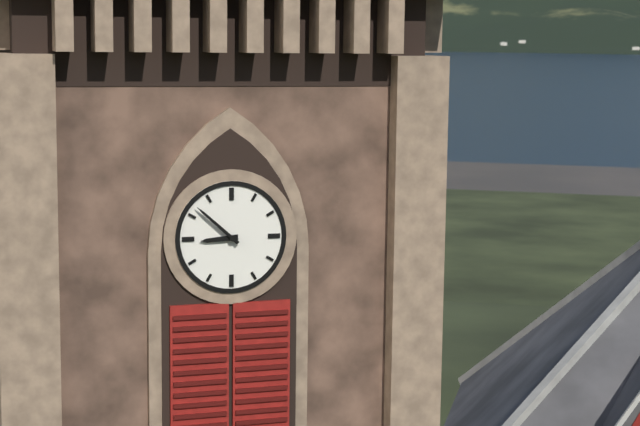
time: 8.52
